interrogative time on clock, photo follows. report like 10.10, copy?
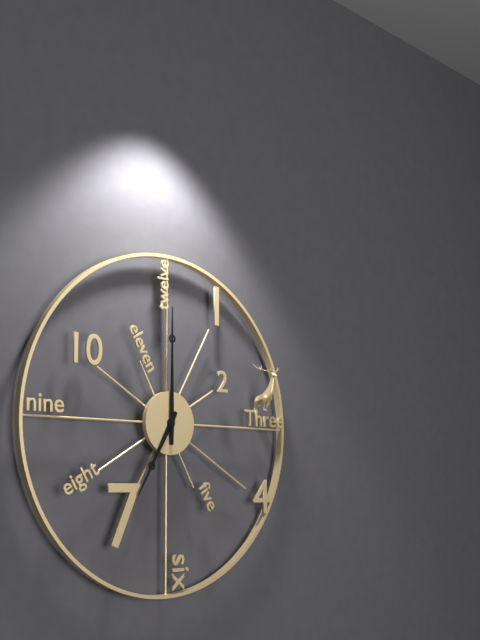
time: 7.00
